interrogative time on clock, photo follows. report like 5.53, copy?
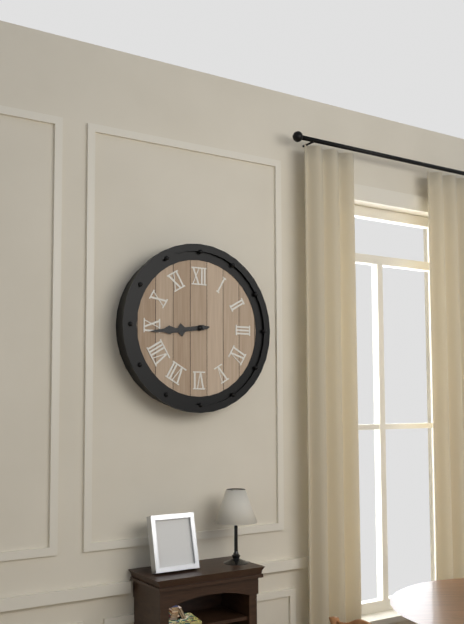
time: 8.44
